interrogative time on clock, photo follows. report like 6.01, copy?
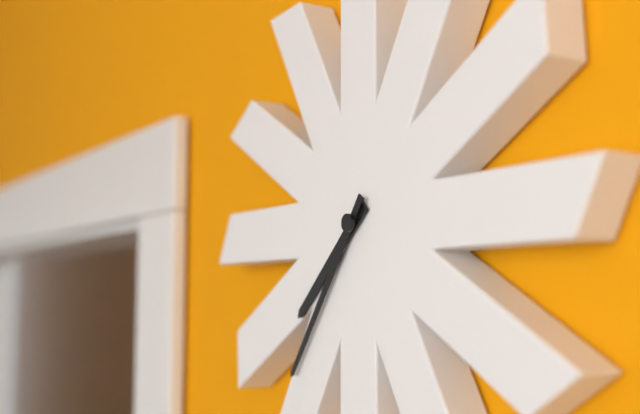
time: 7.36
